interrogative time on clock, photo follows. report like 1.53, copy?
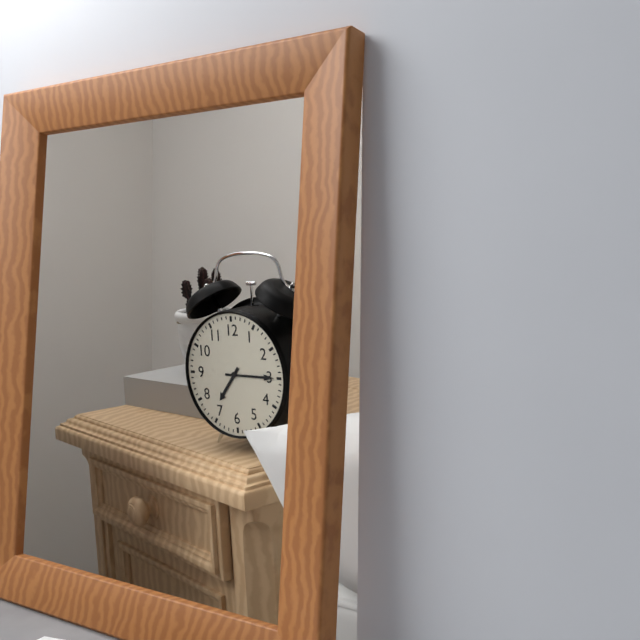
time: 7.15
